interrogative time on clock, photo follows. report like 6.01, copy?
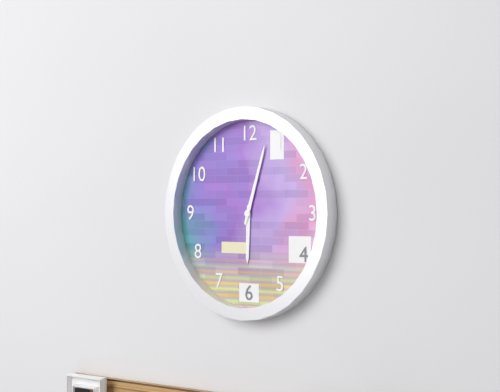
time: 6.03
